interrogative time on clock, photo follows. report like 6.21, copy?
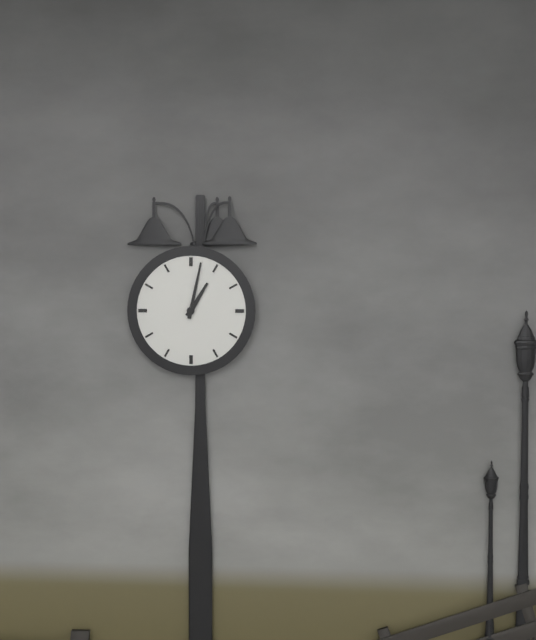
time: 1.02
